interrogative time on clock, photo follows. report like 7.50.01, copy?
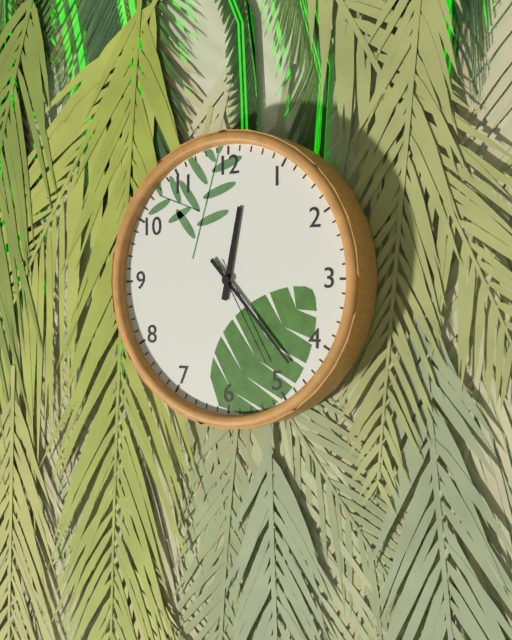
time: 12.23.25
